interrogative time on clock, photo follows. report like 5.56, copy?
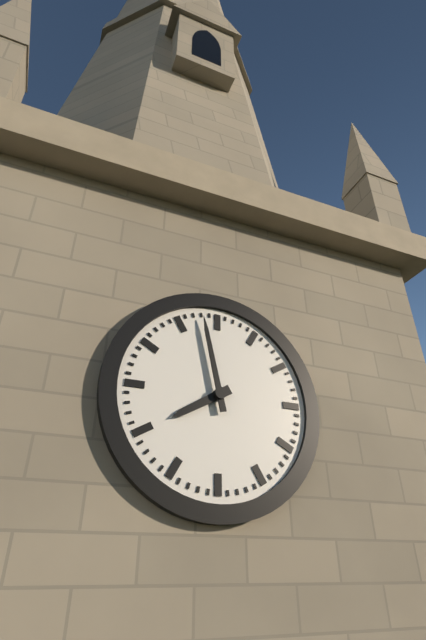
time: 7.58
